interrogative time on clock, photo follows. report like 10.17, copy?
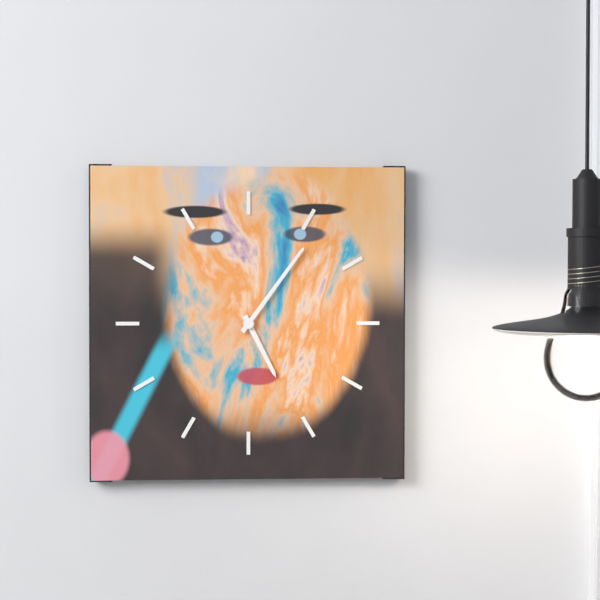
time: 5.06
